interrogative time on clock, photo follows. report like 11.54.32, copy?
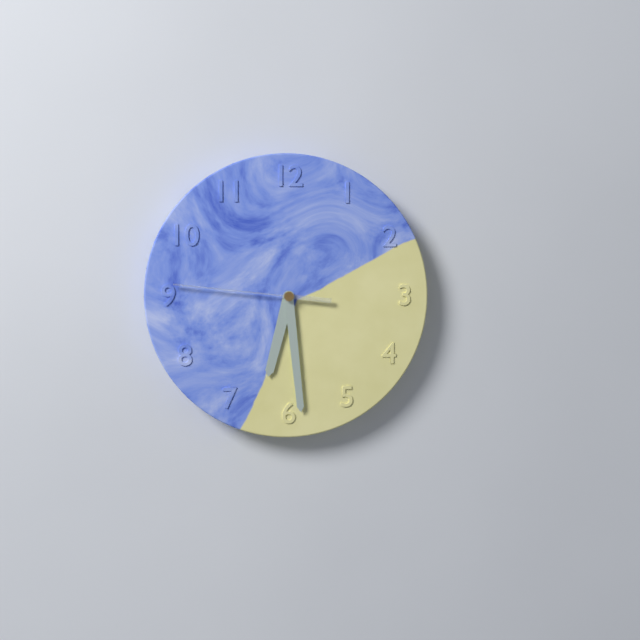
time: 6.29.46
